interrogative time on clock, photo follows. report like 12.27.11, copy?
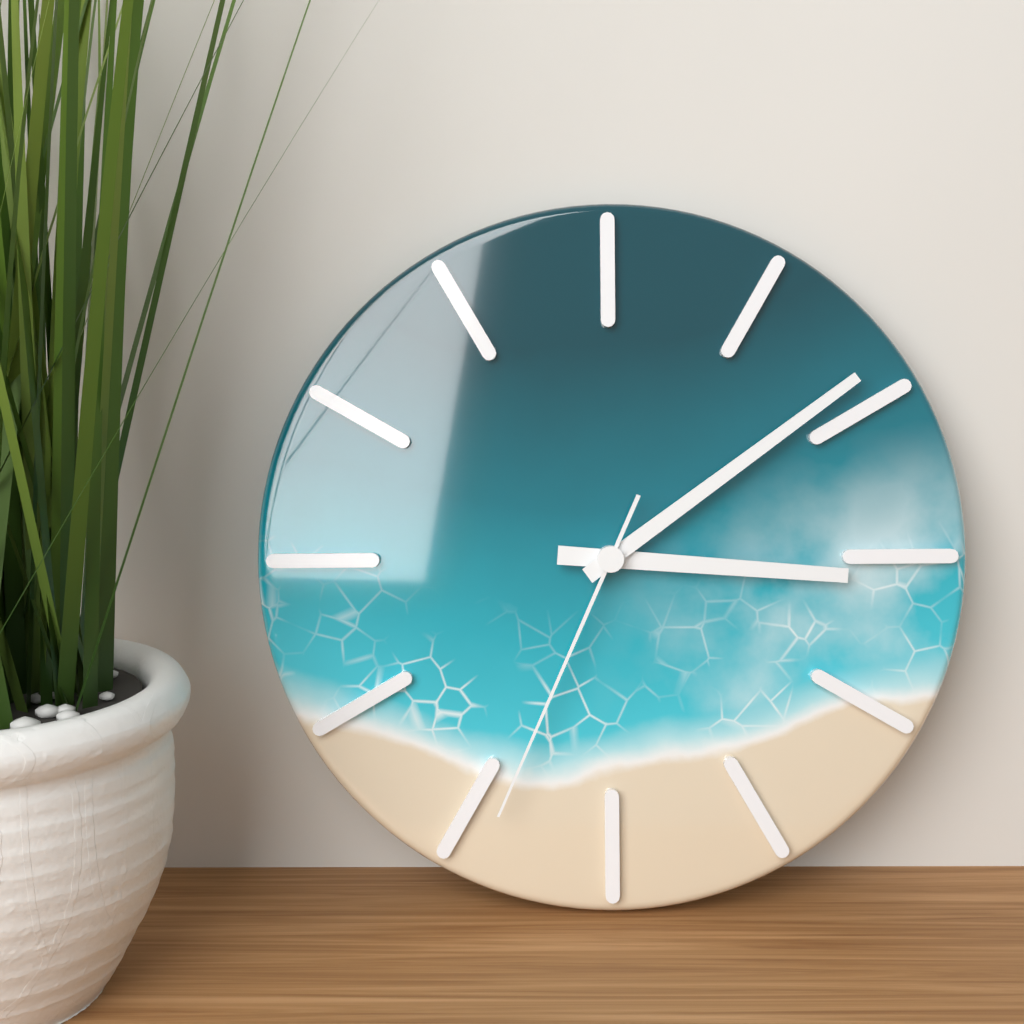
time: 3.09.34
